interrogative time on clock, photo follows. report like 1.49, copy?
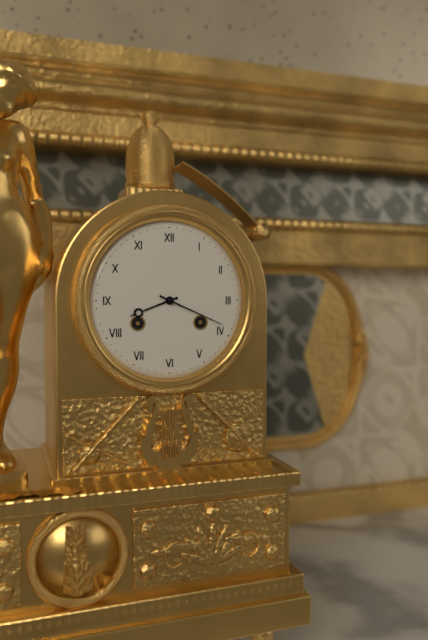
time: 8.19
